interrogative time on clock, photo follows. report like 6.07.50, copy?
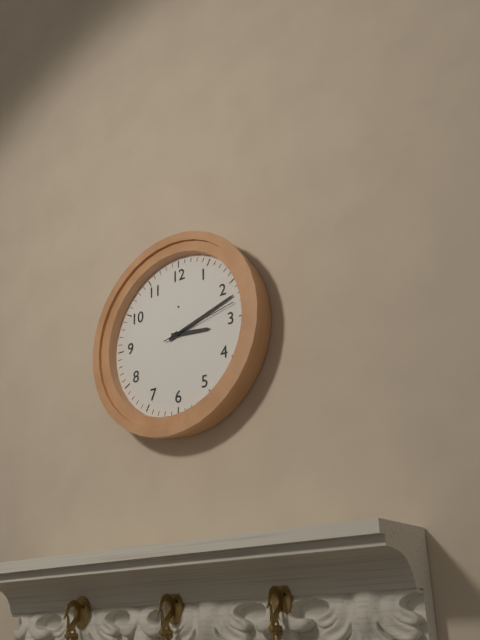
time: 3.12.13
